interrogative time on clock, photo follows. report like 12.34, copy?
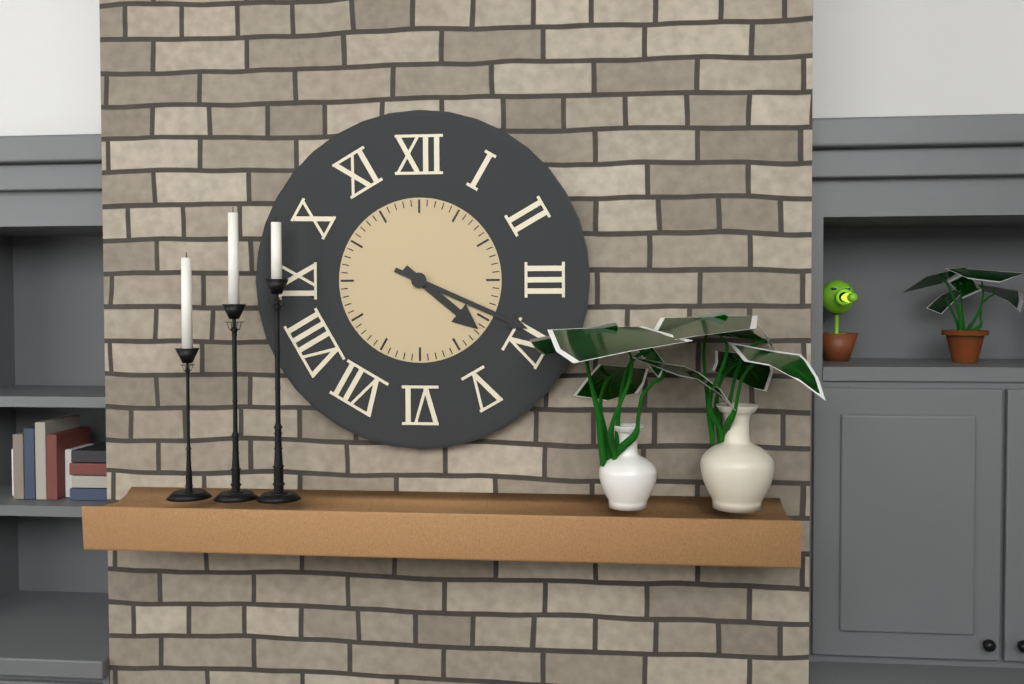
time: 4.19
